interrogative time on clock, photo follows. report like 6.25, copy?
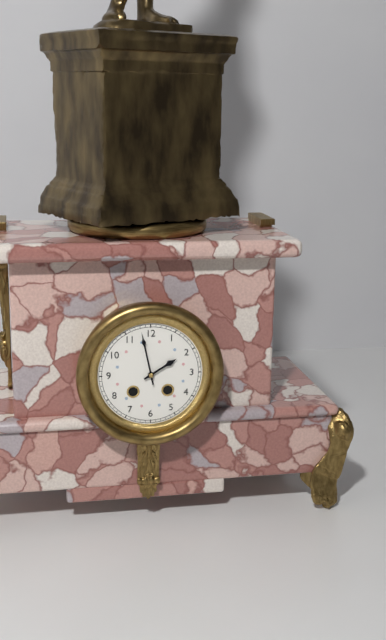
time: 1.58
